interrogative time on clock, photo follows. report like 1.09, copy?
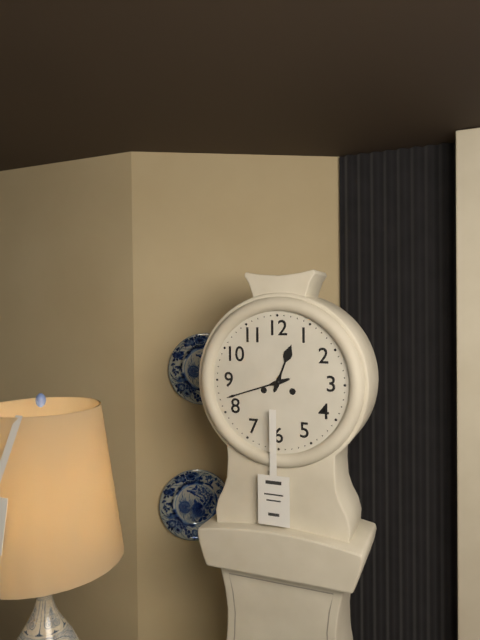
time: 12.42
